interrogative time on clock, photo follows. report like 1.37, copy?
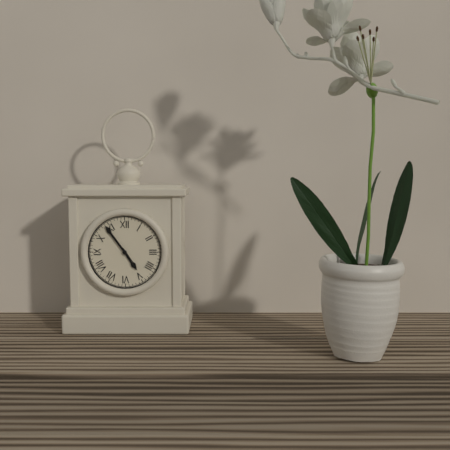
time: 4.54
